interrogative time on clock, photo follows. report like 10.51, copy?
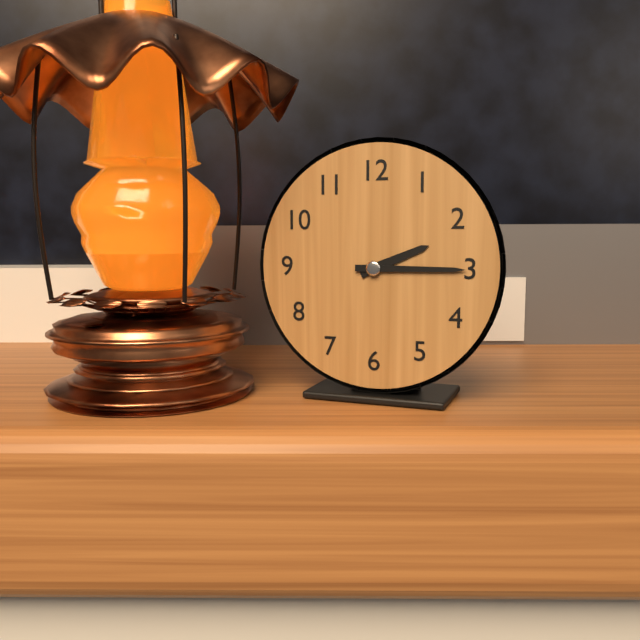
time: 2.15
